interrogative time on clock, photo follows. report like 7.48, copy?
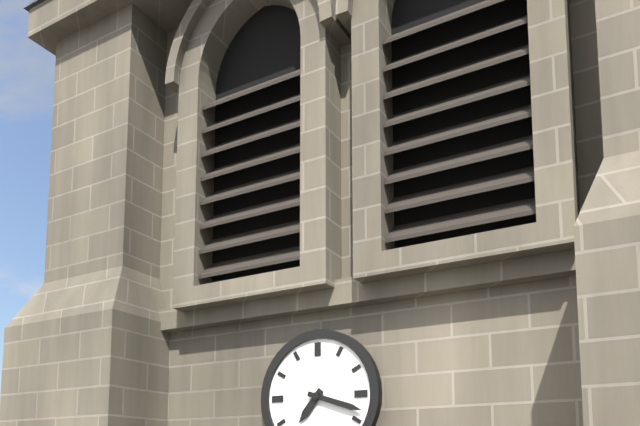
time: 7.18
